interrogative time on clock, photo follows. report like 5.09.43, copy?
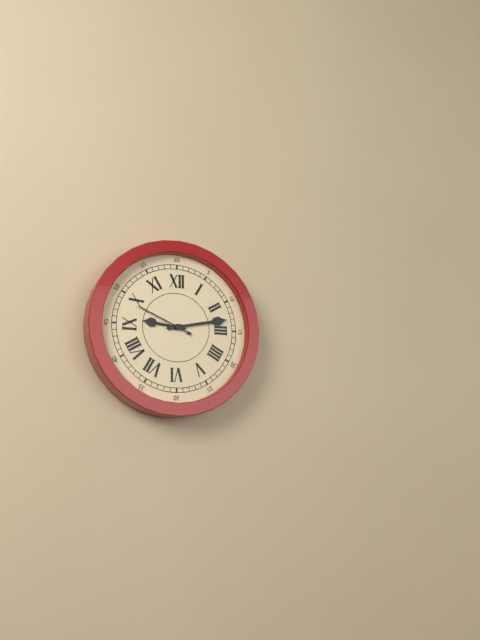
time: 9.13.49
